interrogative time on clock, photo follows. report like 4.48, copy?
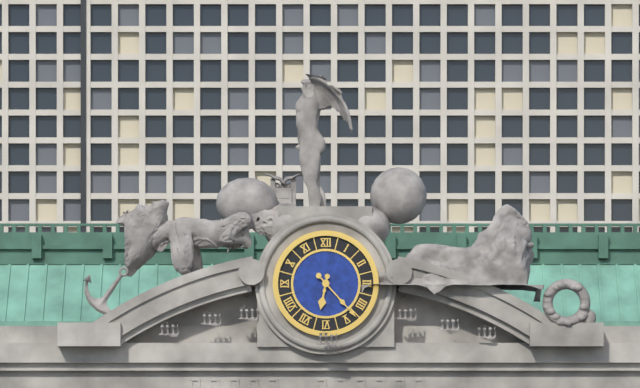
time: 6.23
